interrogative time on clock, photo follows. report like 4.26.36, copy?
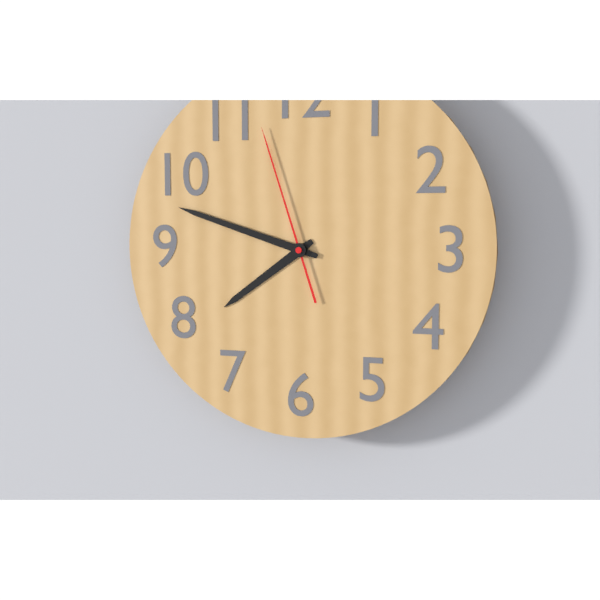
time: 7.48.57
